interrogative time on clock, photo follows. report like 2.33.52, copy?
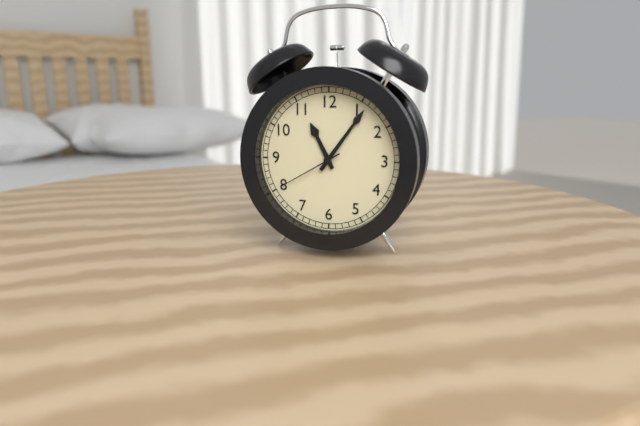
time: 11.06.40
